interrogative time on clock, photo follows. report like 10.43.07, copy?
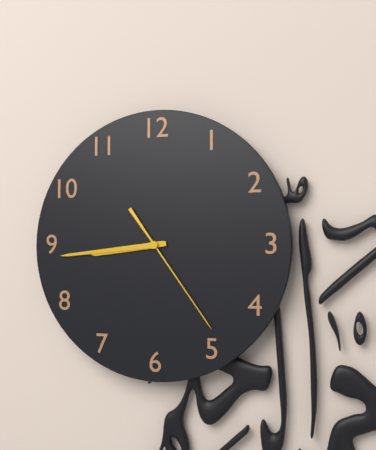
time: 8.44.24
